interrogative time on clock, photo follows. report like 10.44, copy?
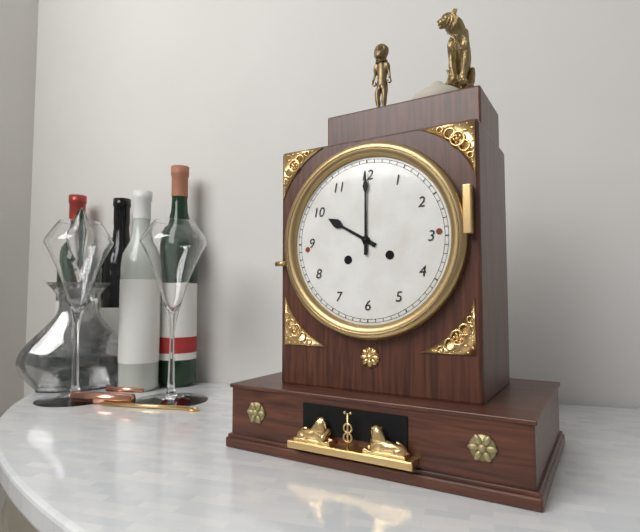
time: 10.00
